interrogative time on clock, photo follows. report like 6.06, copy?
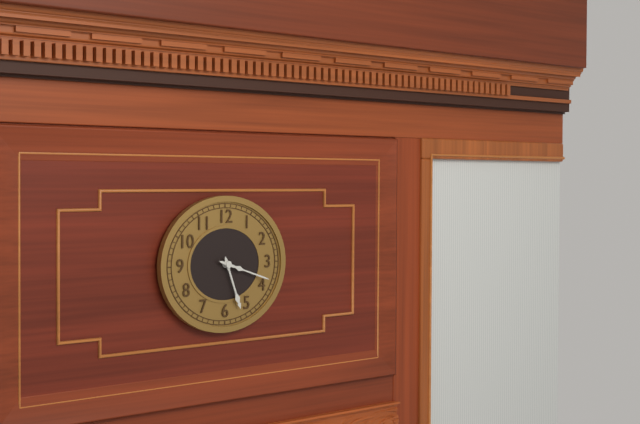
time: 5.18
